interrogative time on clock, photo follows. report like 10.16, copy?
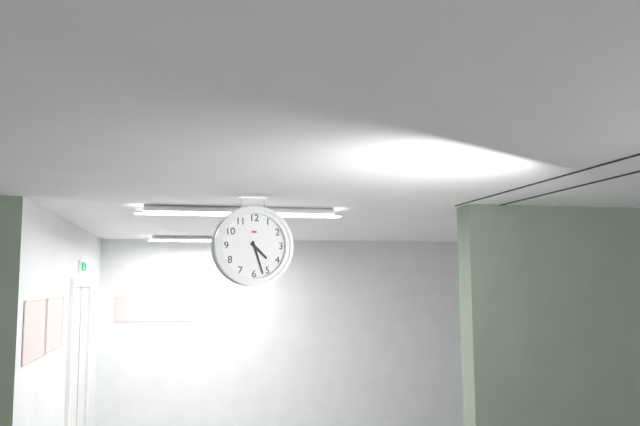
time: 4.27
